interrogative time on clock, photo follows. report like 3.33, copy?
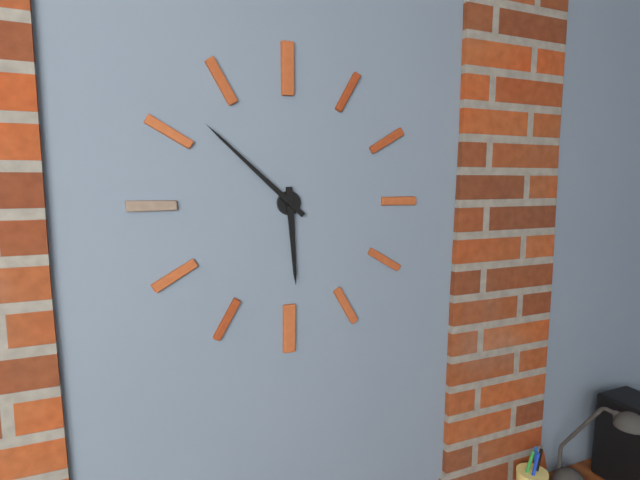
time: 5.52
